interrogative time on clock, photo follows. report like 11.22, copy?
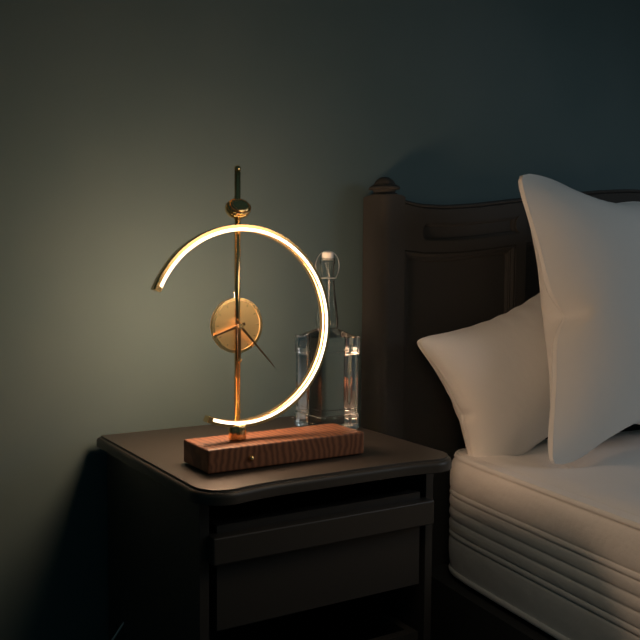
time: 8.23
